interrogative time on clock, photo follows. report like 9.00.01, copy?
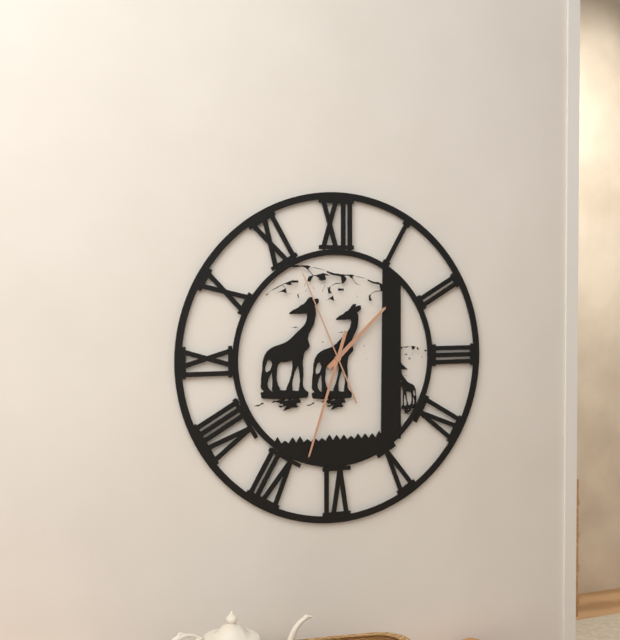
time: 1.33.56
